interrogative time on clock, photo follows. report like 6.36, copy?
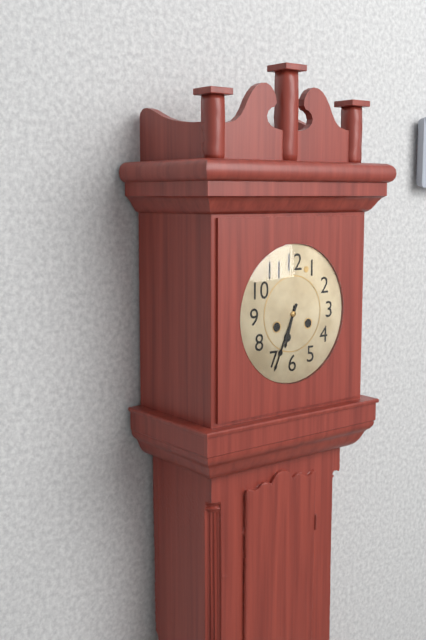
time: 6.34
